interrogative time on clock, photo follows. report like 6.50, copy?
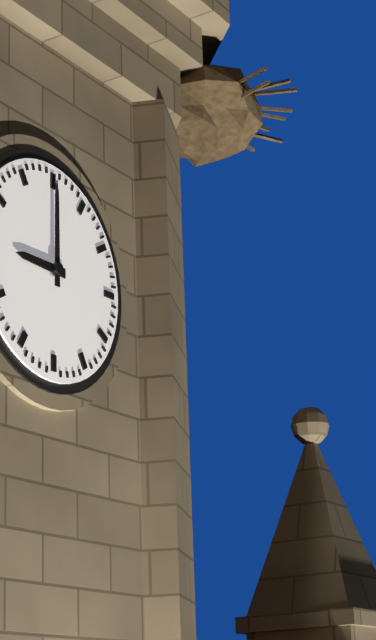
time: 9.00
